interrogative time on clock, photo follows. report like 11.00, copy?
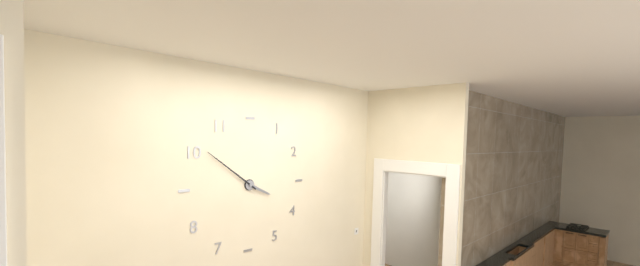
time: 3.51
